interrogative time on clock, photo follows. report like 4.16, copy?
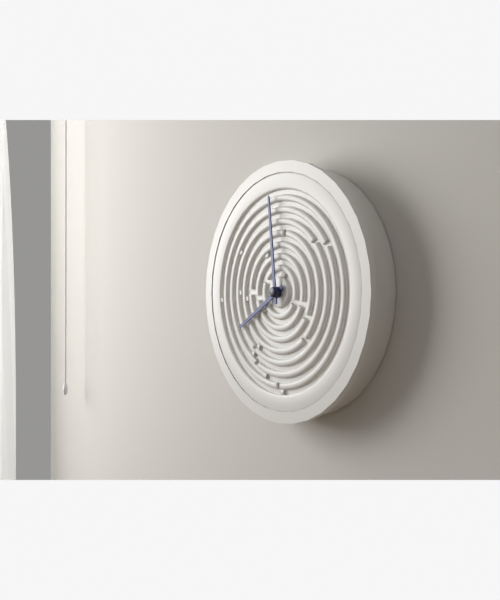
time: 7.59
